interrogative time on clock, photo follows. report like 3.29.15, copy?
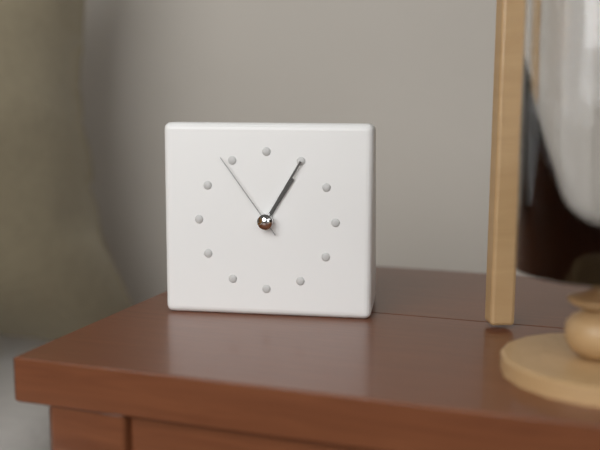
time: 1.05.54
